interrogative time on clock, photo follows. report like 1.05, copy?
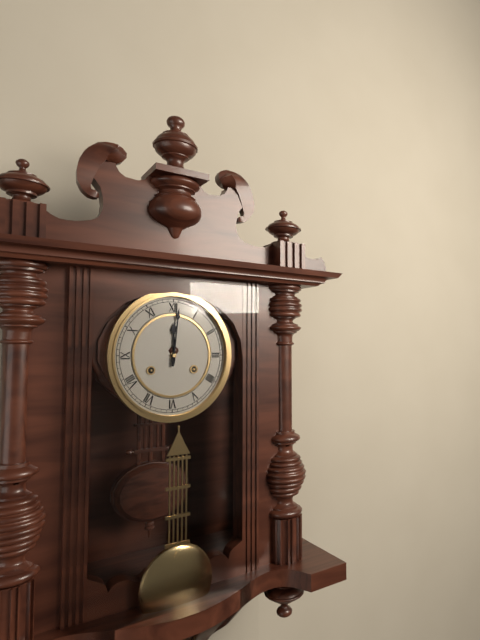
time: 12.01
